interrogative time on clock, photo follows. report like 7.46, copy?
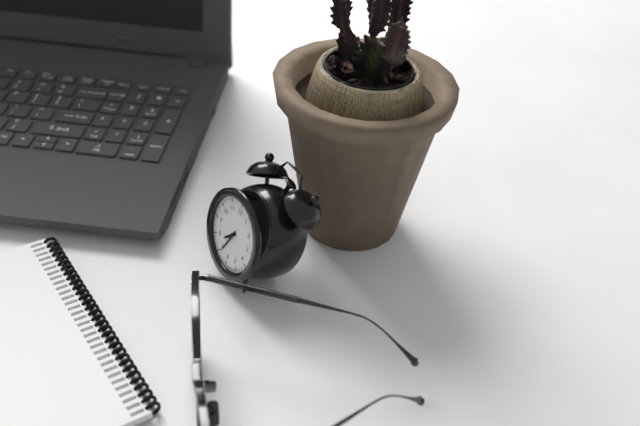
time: 7.34
